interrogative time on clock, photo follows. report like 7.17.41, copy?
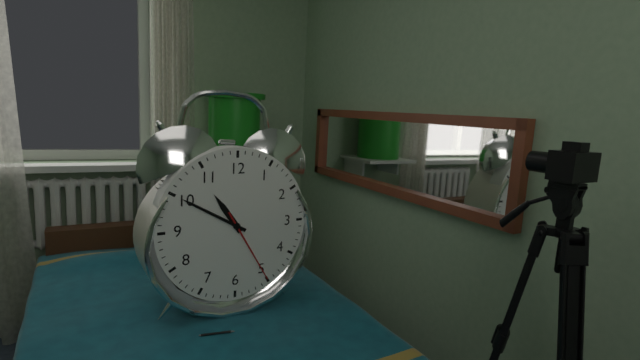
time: 10.50.25
